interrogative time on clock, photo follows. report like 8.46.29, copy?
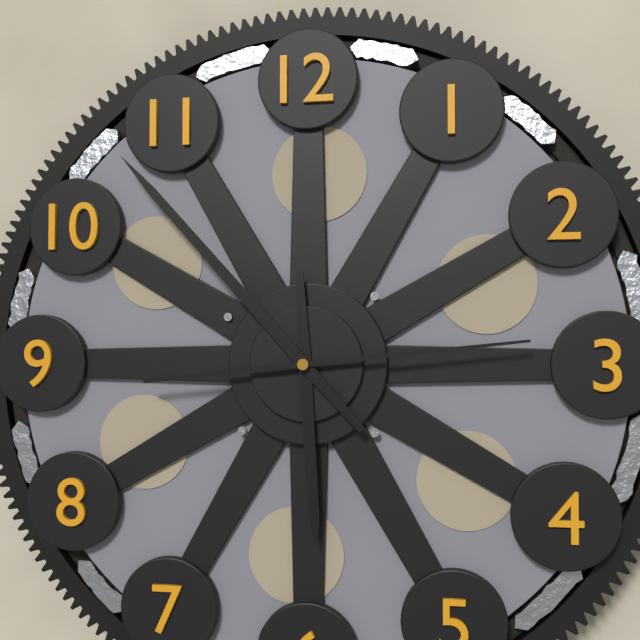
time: 5.53.14
